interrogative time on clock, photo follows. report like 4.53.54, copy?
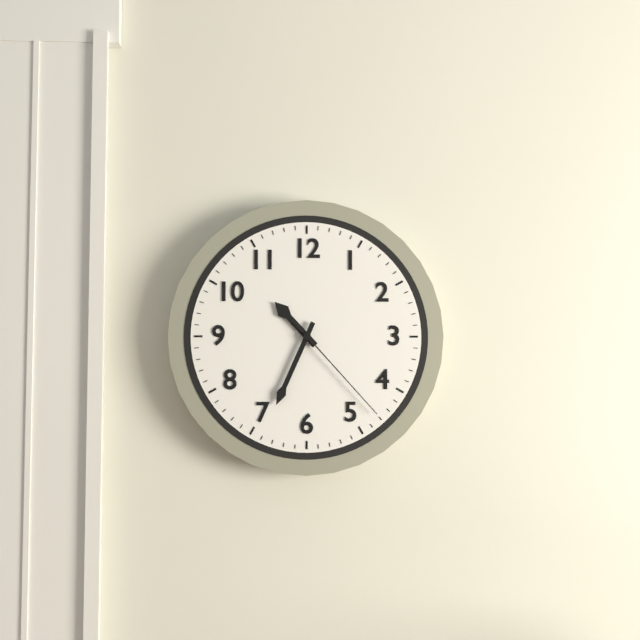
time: 10.34.23
